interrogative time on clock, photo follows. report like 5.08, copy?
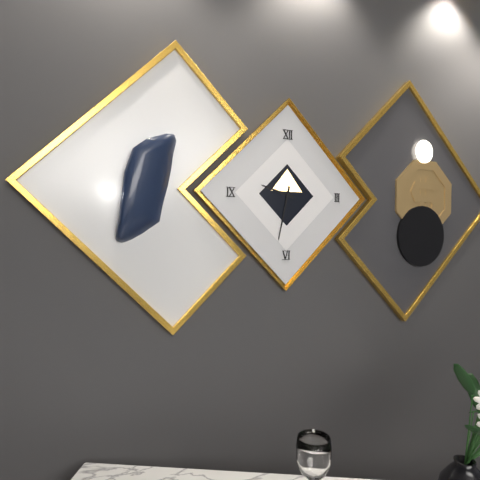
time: 9.32
